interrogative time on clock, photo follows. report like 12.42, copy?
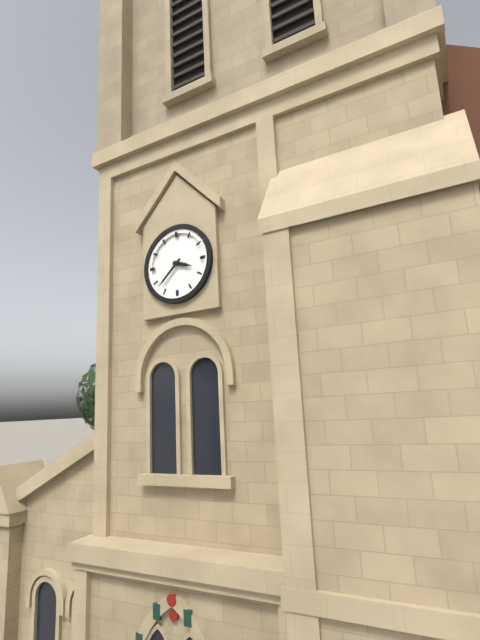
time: 3.38
